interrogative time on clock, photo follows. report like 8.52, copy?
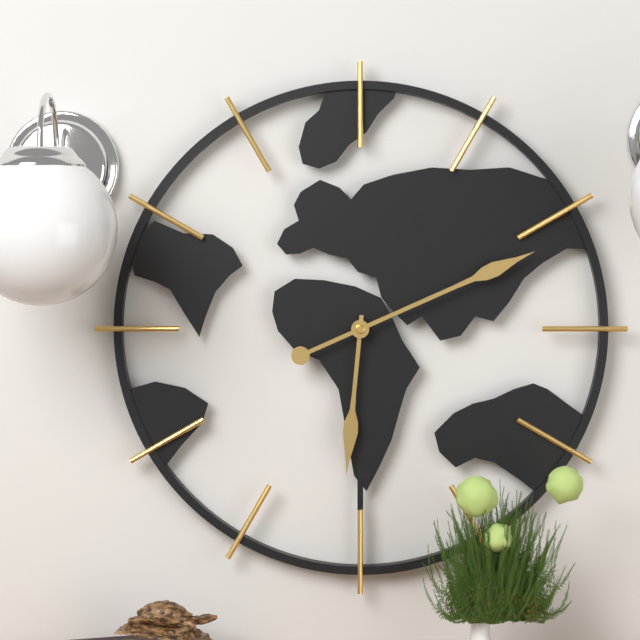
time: 6.11
